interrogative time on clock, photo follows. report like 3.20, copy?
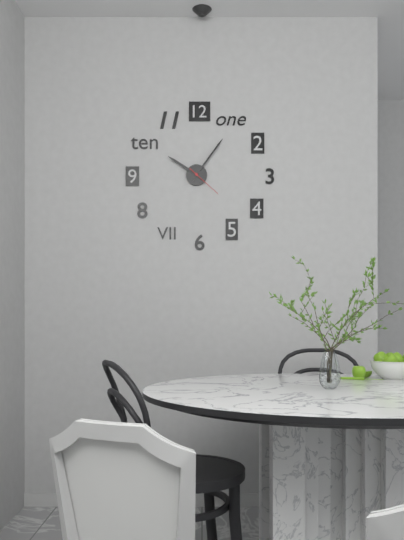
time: 10.06
